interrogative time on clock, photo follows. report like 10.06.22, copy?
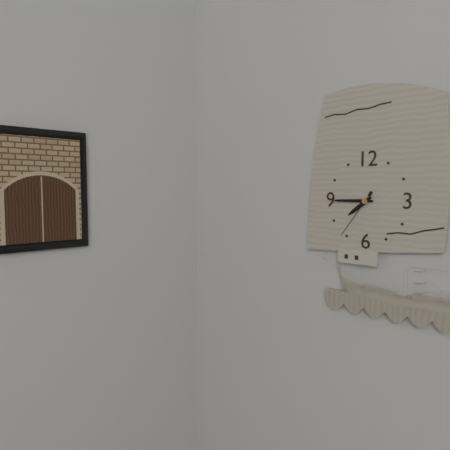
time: 7.45.36
